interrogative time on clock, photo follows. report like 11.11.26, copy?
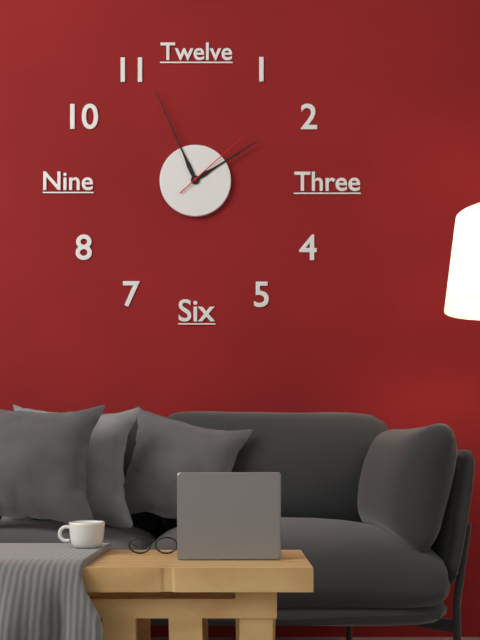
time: 1.56.08
